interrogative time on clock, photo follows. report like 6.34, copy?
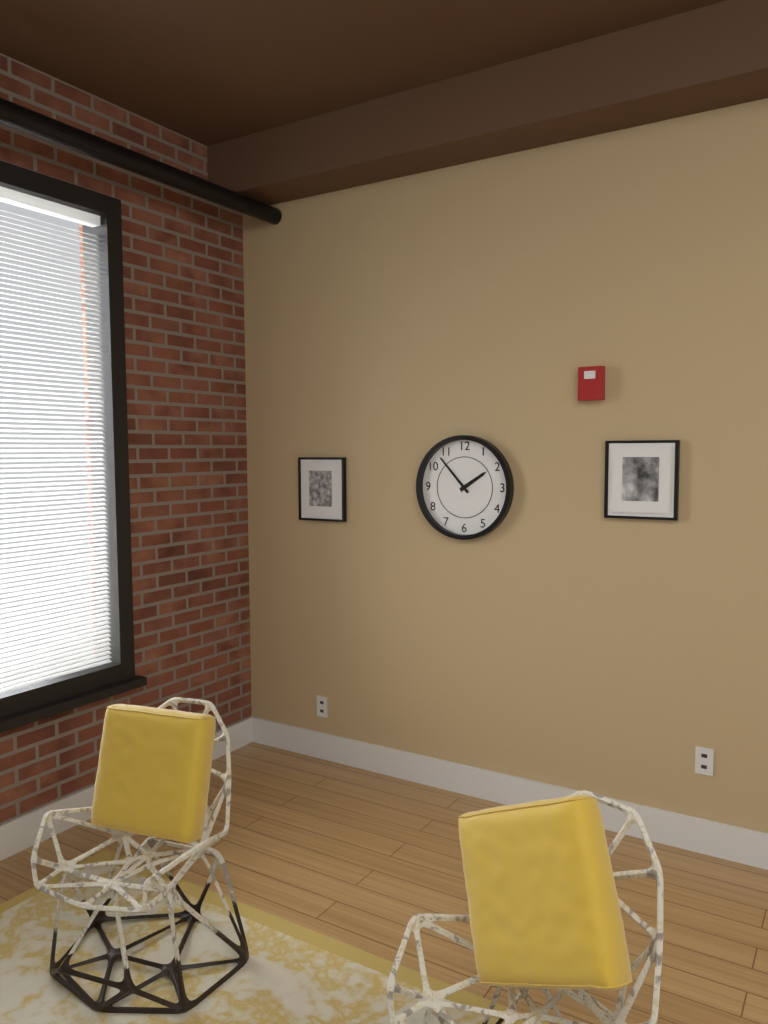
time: 1.53
